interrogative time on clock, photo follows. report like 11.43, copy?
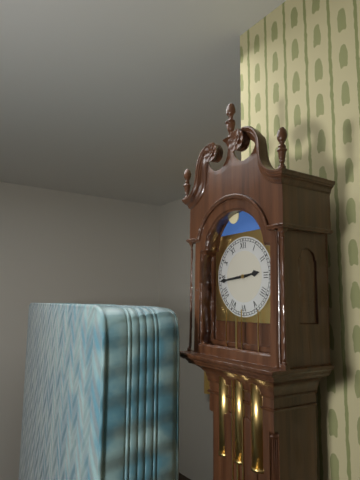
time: 2.44
